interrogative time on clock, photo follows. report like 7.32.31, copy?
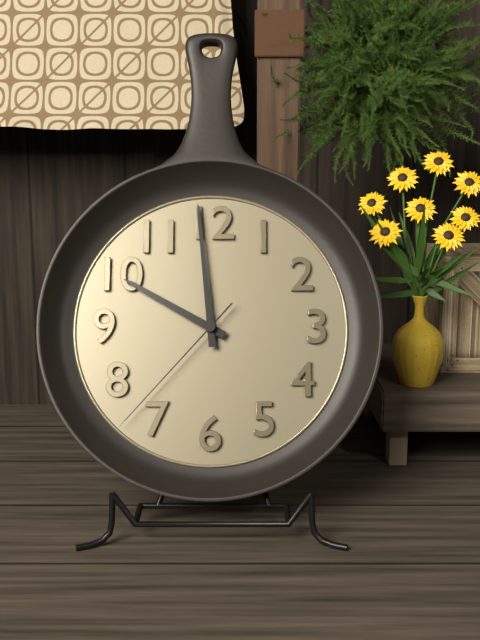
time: 9.59.37
